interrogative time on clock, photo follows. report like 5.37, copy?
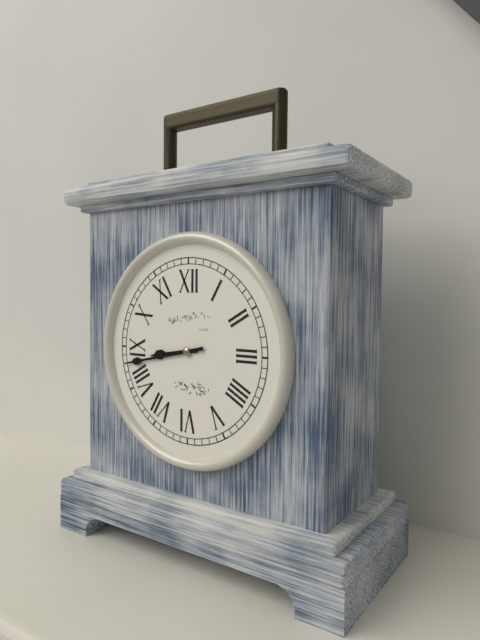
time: 8.43
